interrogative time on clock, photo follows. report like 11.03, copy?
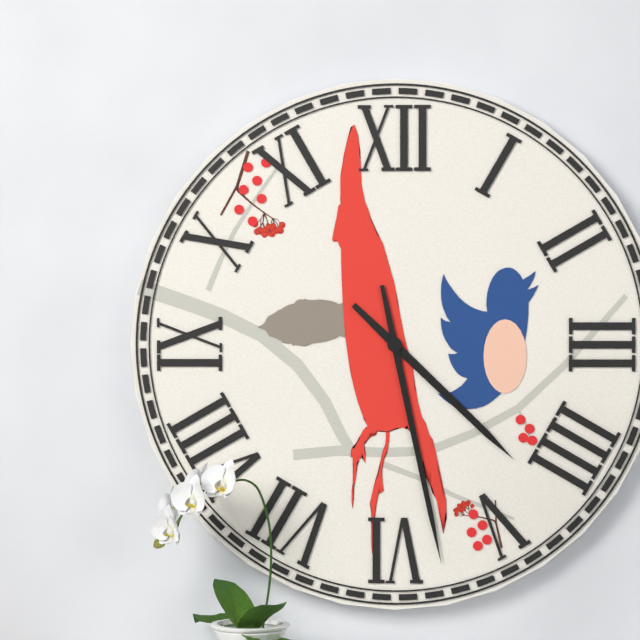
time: 4.28
